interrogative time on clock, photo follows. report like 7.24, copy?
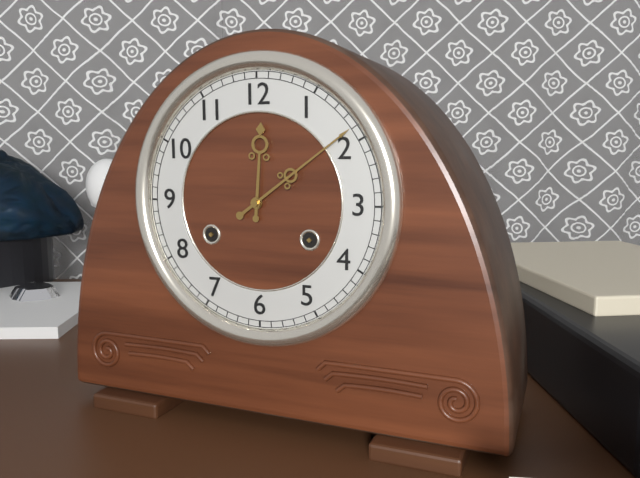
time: 12.09
